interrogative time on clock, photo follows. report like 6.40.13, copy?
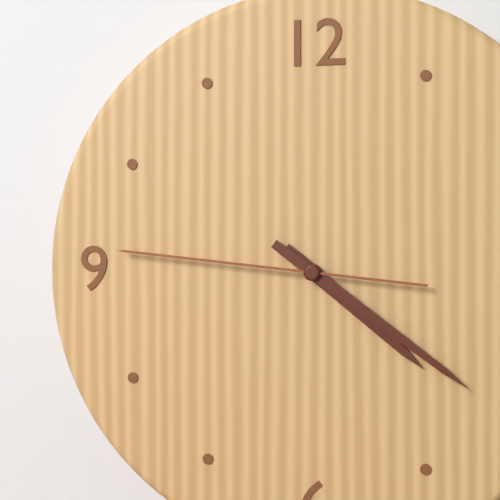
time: 4.21.46
